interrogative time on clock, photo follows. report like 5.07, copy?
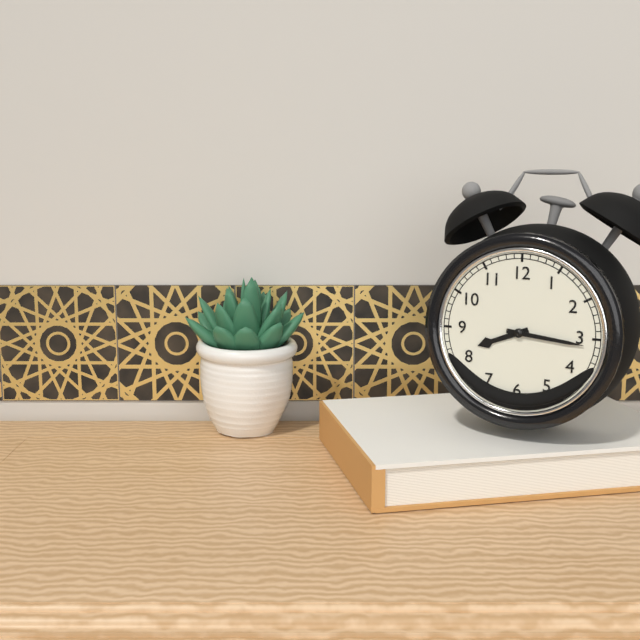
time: 8.16
